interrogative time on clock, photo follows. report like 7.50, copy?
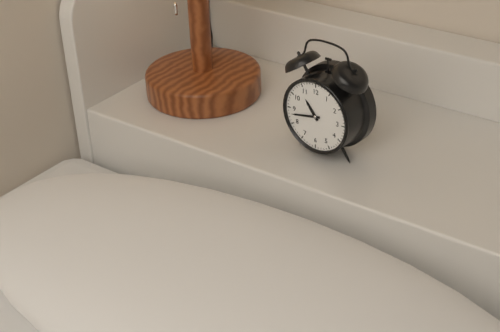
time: 10.43
